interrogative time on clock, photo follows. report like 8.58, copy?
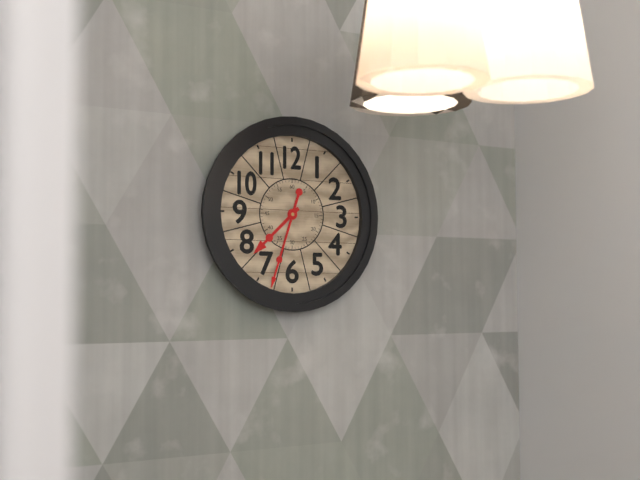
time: 7.33
